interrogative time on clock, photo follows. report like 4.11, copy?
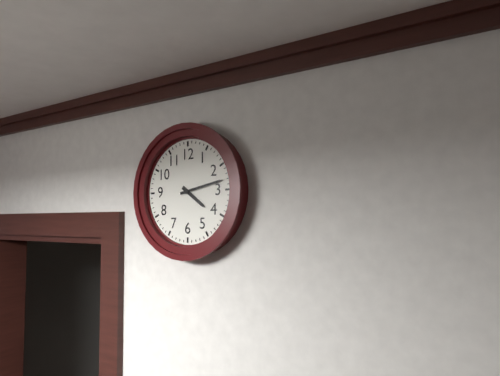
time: 4.13
